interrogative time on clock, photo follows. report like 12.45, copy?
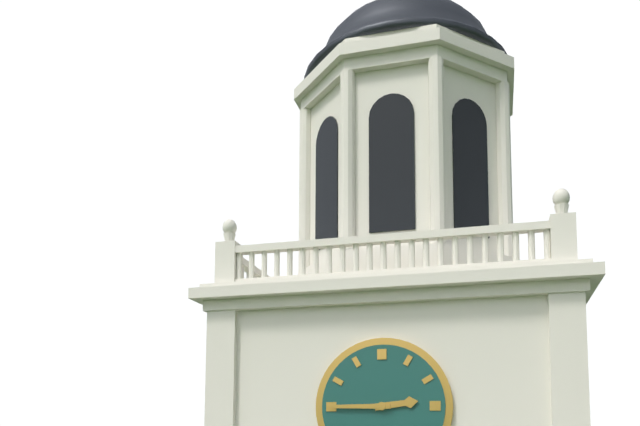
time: 2.45
